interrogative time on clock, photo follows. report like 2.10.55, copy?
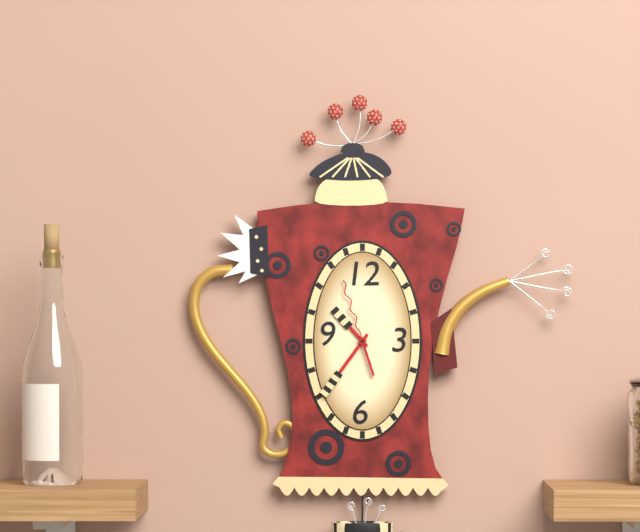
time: 10.36.57
